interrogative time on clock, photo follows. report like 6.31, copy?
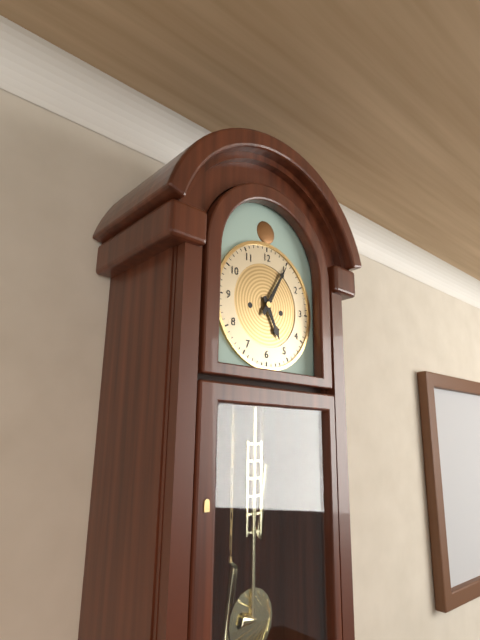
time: 5.05
